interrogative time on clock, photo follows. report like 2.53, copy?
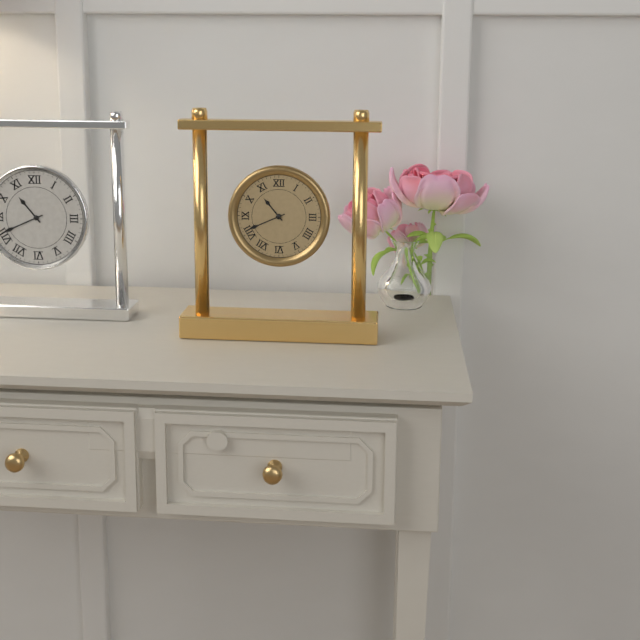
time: 10.41
